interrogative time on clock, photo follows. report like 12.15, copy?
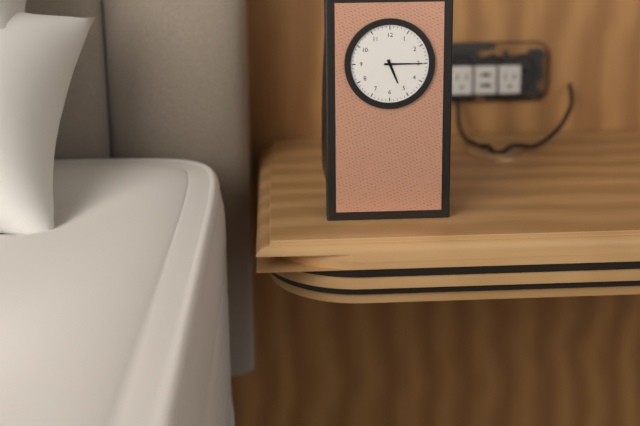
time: 5.15
